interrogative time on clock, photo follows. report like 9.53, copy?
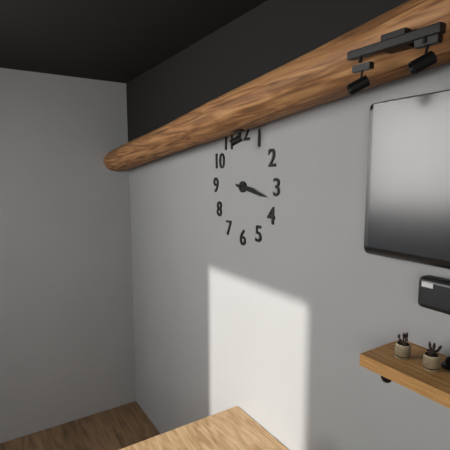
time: 3.17
